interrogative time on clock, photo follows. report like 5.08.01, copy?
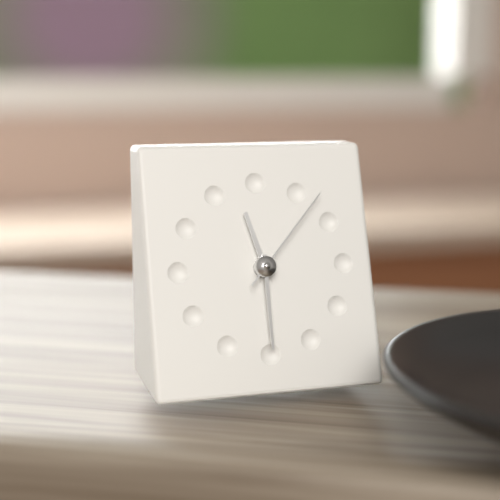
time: 11.30.07
